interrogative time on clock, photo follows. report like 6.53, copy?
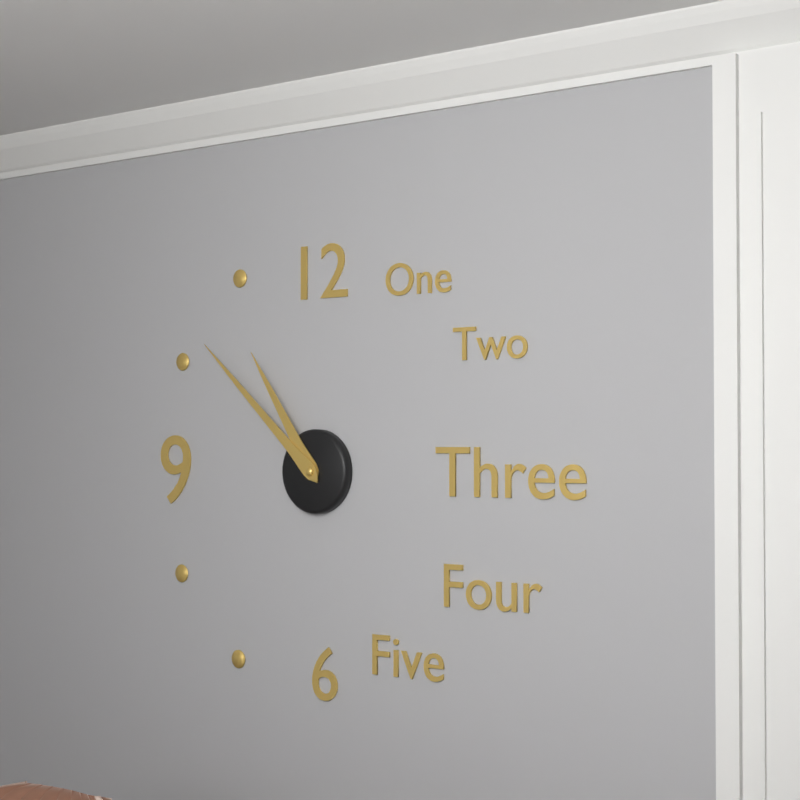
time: 10.52
